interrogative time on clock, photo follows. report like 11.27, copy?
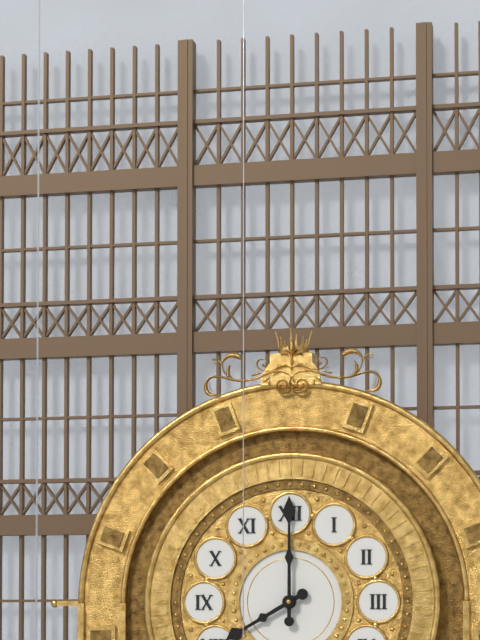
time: 8.00
